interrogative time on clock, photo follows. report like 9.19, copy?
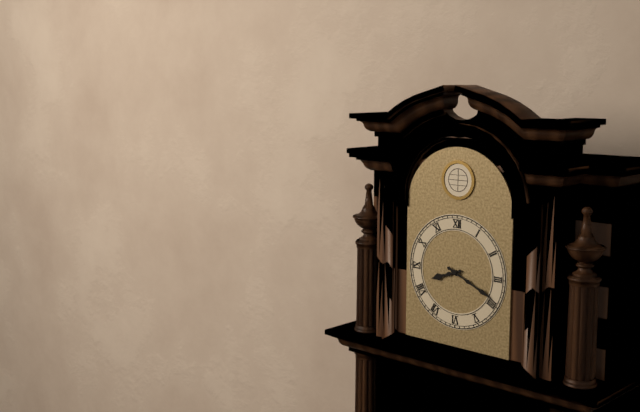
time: 8.19
